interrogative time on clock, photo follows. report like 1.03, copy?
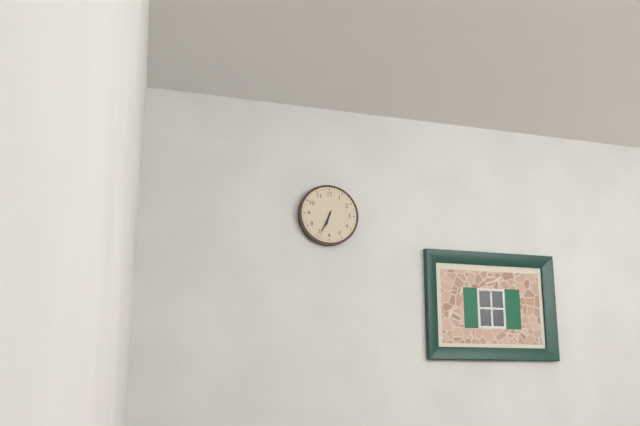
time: 6.34
